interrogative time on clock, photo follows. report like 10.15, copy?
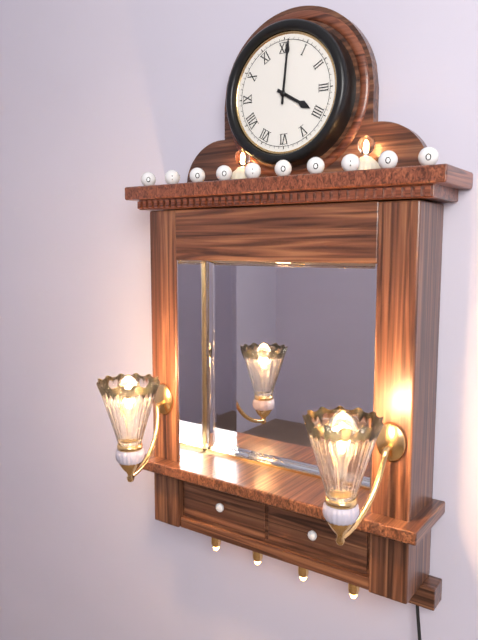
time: 4.01
